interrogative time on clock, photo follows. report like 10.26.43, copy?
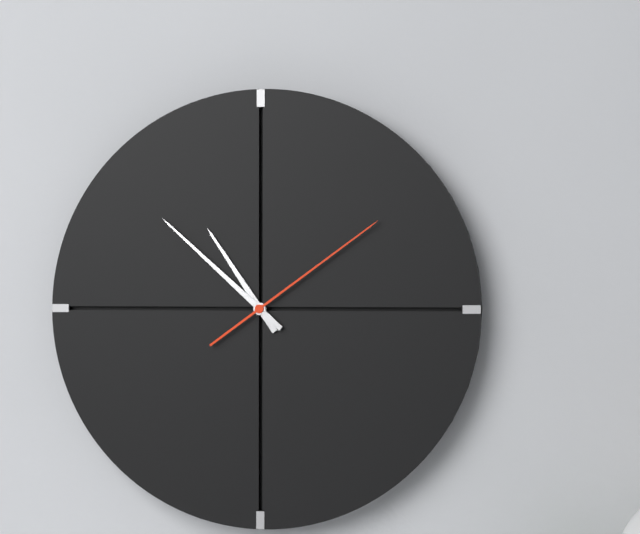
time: 10.52.09
